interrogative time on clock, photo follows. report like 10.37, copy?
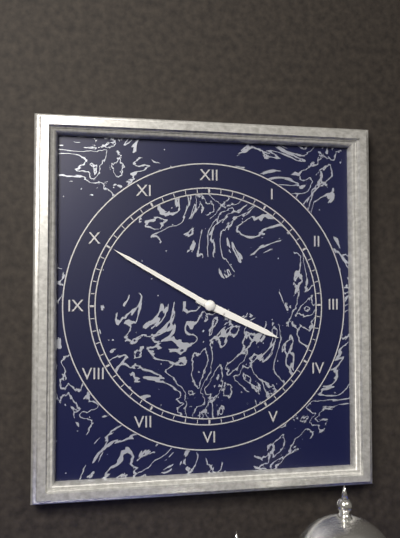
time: 3.50
